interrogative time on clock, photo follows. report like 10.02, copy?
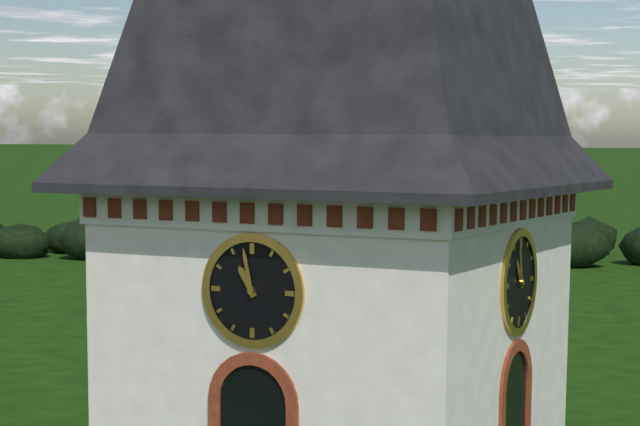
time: 10.58
